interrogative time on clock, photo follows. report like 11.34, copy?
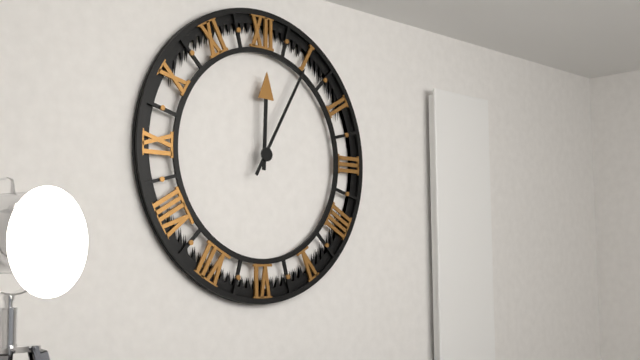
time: 12.05
